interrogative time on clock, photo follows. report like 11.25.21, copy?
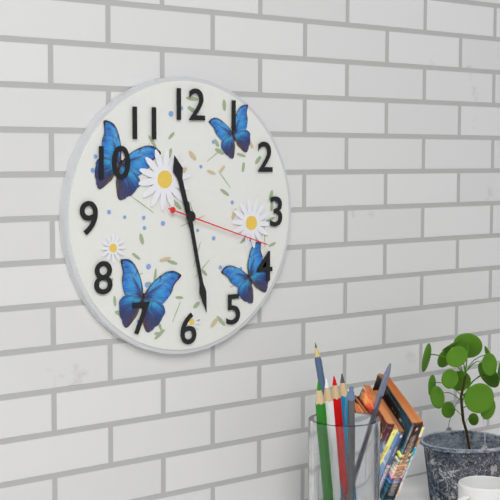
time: 11.28.18
